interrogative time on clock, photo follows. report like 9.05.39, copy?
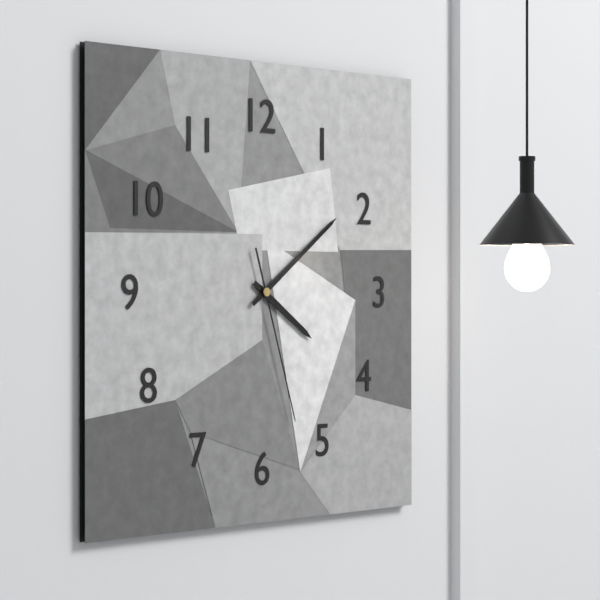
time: 4.09.27
